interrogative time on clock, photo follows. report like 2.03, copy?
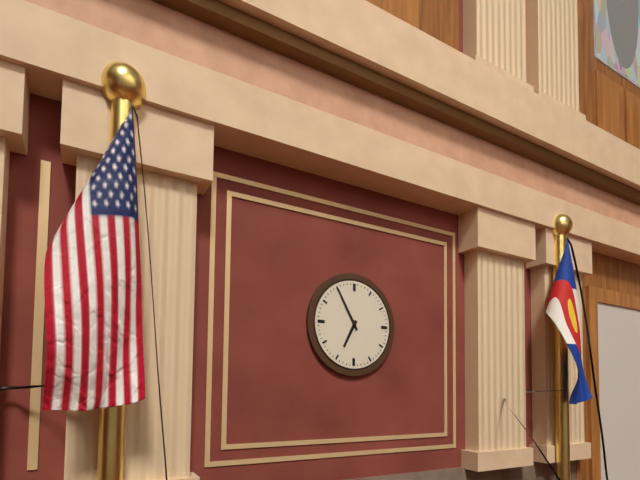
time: 6.55
